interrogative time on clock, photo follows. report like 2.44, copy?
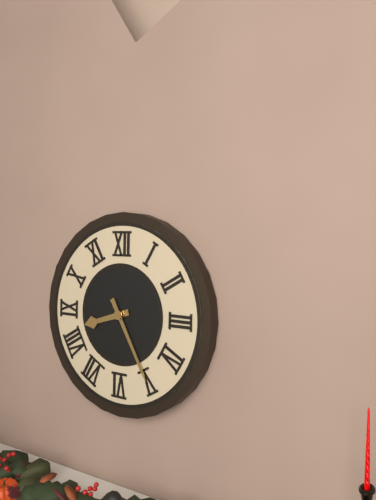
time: 8.25
